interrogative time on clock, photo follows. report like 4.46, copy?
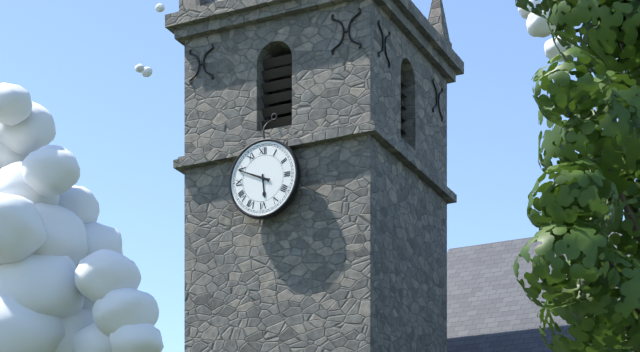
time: 5.49
